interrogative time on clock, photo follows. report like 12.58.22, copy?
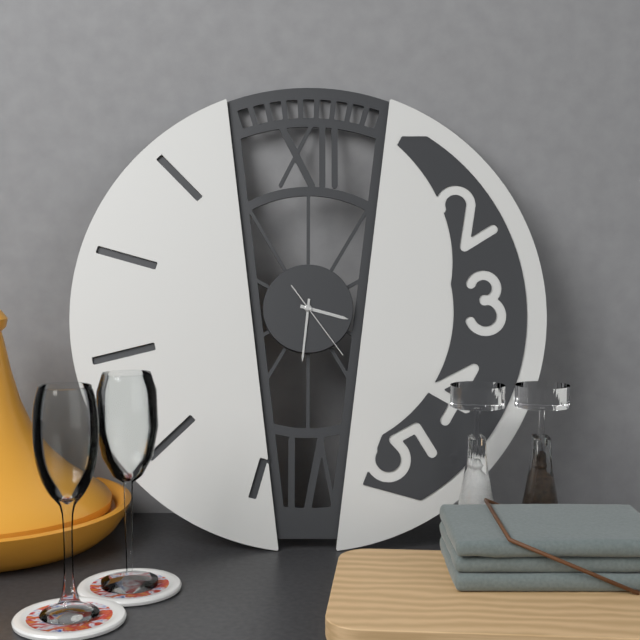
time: 3.31.24
